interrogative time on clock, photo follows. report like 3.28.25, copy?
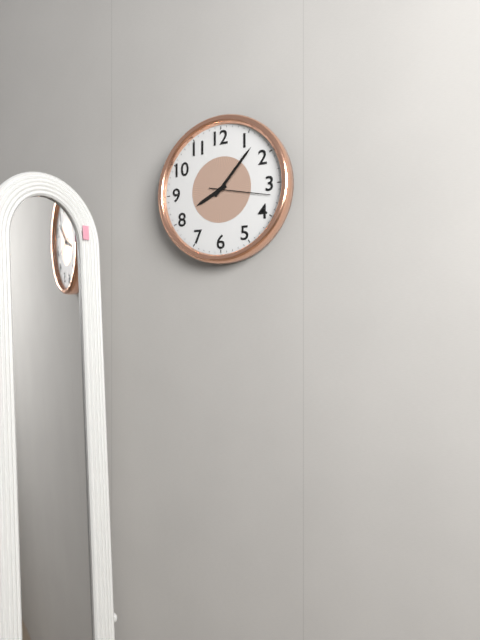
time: 8.07.17
